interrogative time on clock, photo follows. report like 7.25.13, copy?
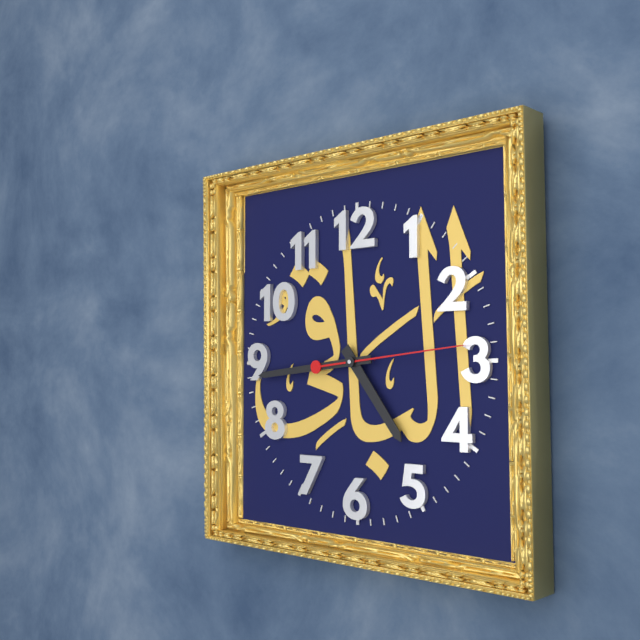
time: 4.44.14
